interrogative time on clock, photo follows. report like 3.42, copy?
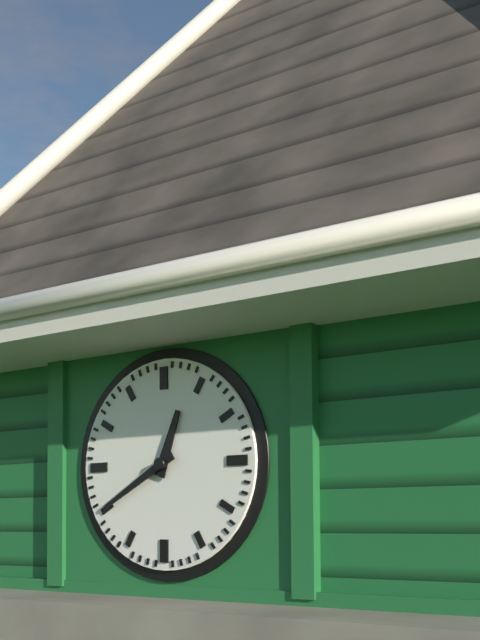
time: 12.40
